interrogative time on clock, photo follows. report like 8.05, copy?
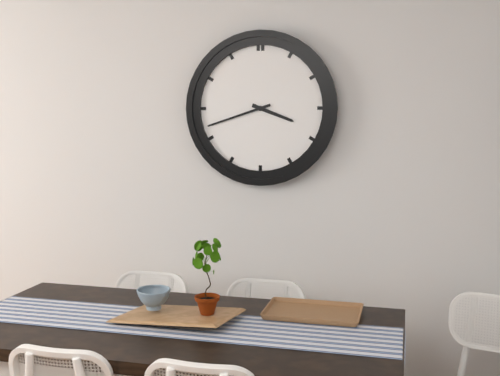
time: 3.42
